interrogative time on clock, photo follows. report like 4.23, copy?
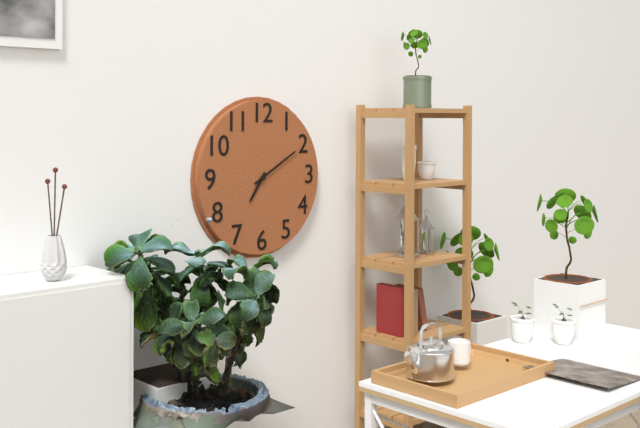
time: 7.10
